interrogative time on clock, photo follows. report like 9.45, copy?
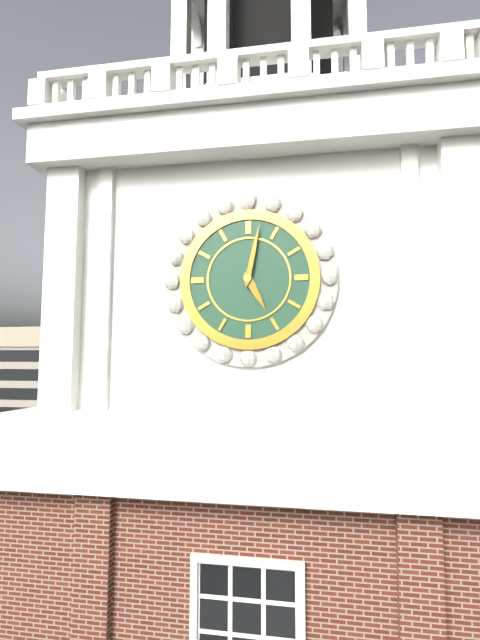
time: 5.02
